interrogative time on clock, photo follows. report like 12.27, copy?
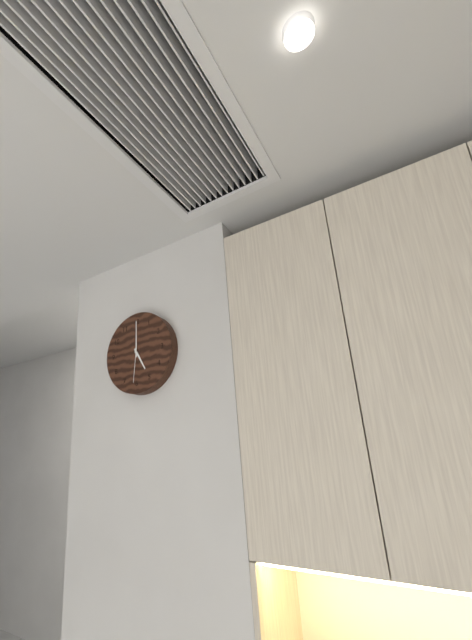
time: 5.00
